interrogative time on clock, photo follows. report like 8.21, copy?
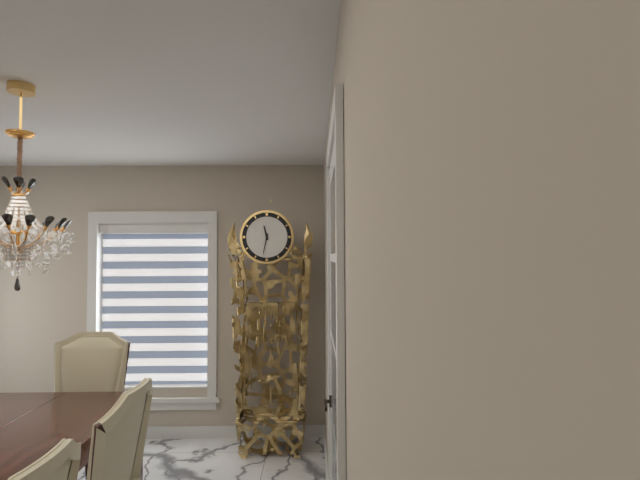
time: 11.32
